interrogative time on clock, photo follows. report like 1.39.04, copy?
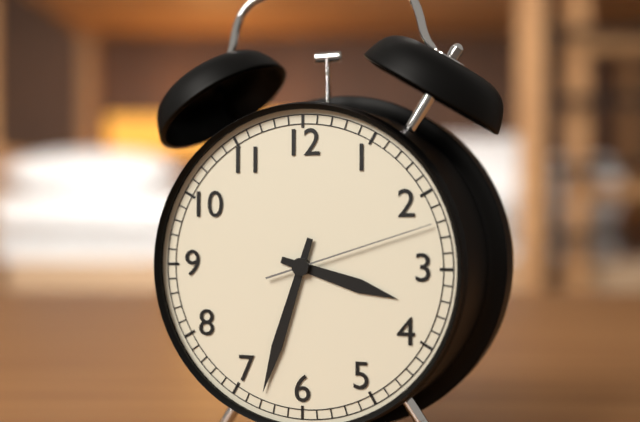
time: 3.33.12
